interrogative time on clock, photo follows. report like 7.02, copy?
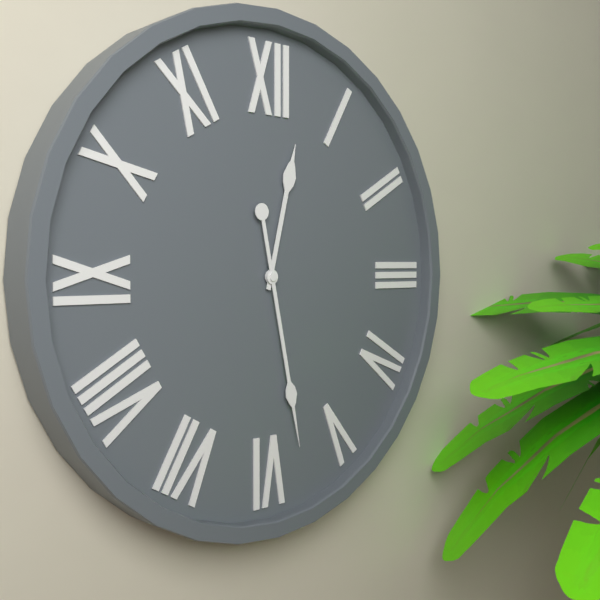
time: 12.28
